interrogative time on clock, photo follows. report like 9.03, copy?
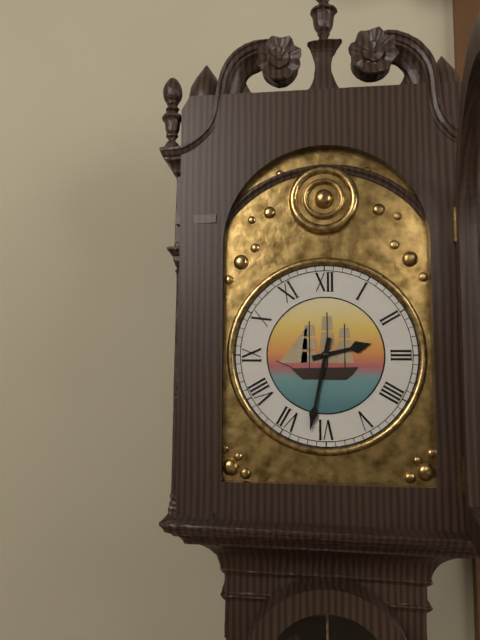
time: 2.32
